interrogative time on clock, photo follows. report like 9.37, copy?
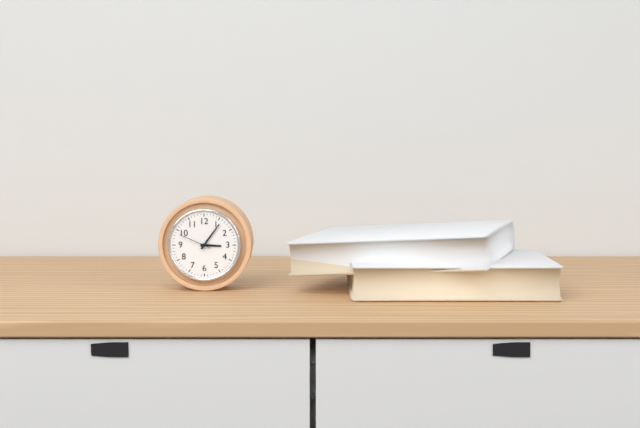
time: 3.06
